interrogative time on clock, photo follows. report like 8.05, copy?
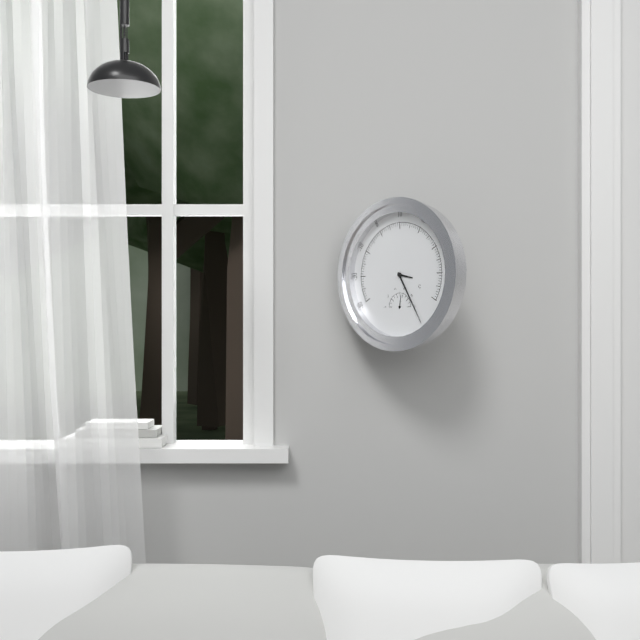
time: 3.25
